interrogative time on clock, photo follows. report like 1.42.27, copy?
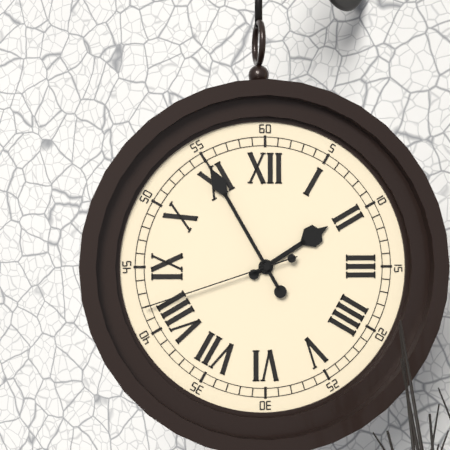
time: 1.55.42
